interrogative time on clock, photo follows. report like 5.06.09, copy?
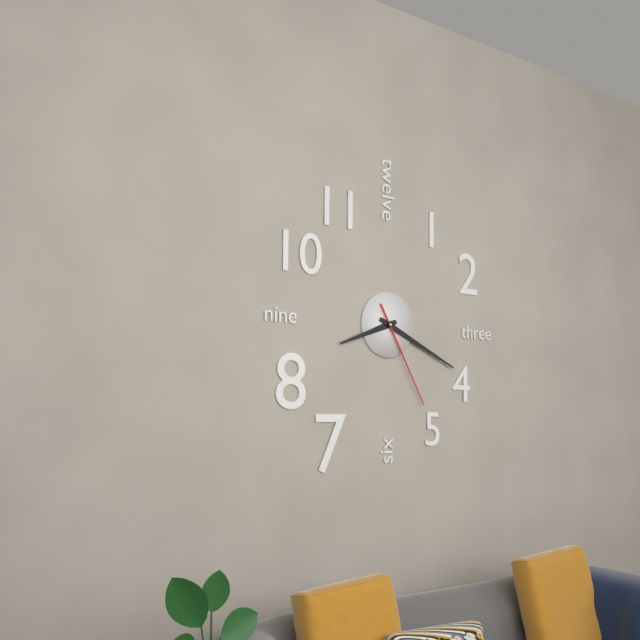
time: 8.19.25
